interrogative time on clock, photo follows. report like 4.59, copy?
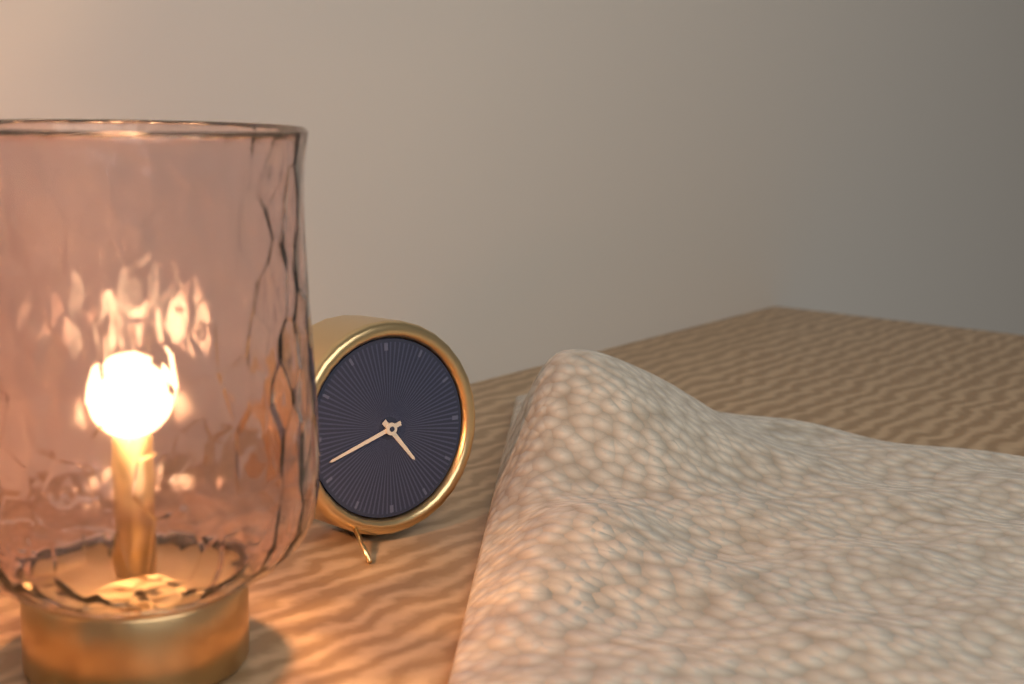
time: 4.42
